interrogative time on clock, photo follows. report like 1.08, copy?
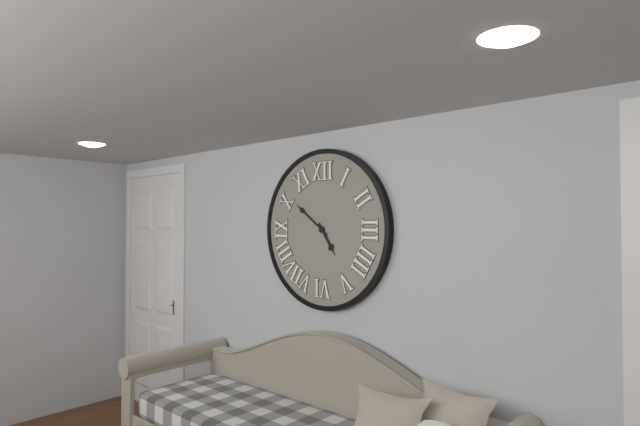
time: 4.51
